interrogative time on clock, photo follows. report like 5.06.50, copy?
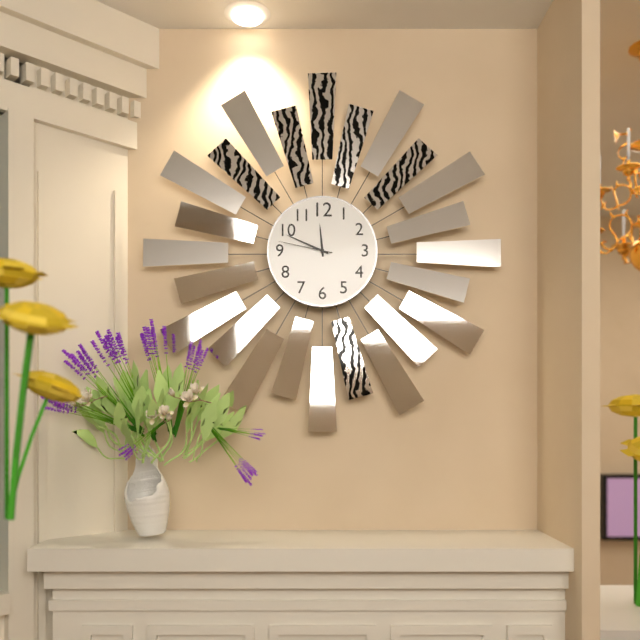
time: 11.49.47
